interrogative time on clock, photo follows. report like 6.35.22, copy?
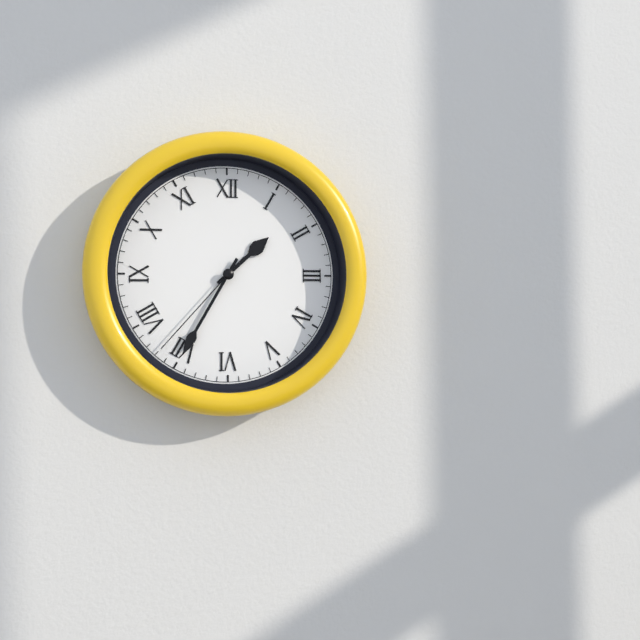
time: 1.35.37
